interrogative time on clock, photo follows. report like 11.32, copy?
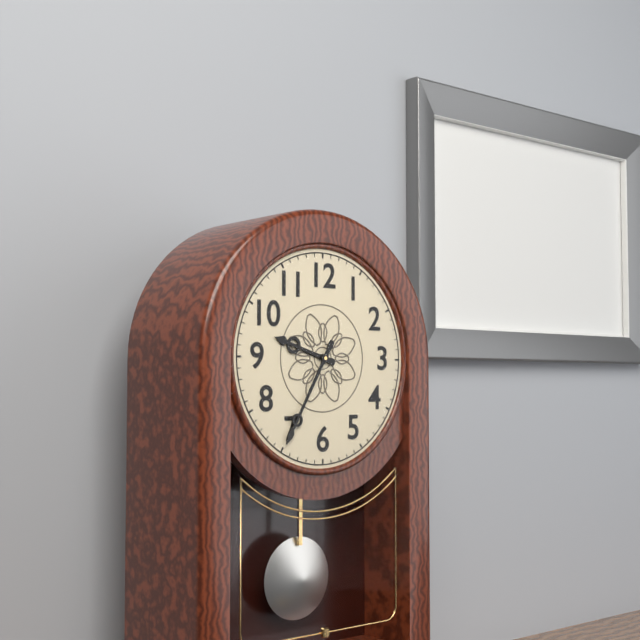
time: 9.35
